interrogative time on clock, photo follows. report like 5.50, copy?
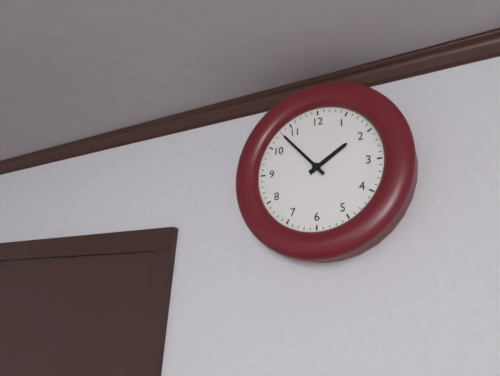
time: 1.53
